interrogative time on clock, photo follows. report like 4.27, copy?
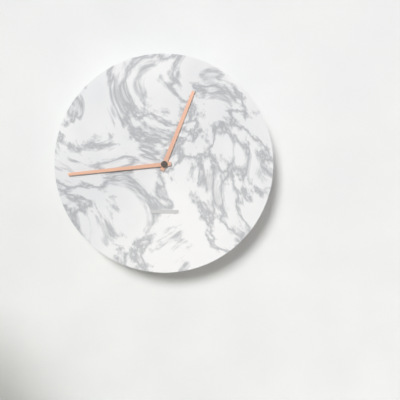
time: 12.44
